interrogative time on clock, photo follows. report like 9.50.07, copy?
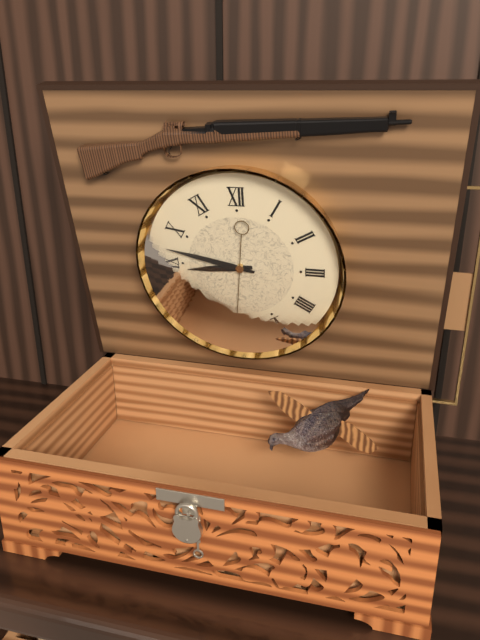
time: 8.47.31
